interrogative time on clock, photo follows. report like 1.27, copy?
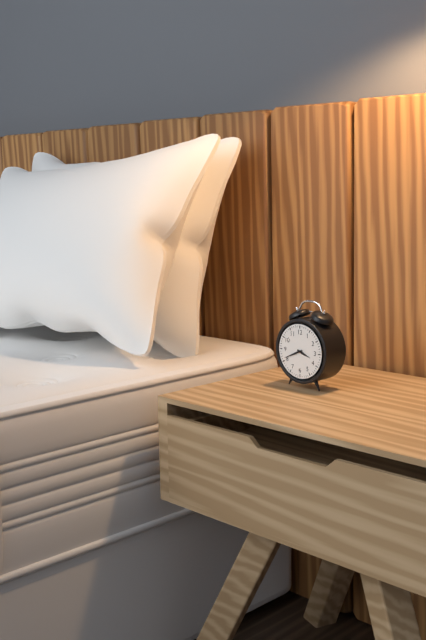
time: 3.41
